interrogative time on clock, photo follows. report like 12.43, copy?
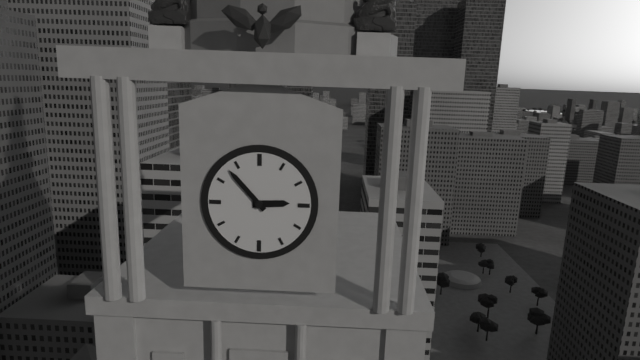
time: 2.53
